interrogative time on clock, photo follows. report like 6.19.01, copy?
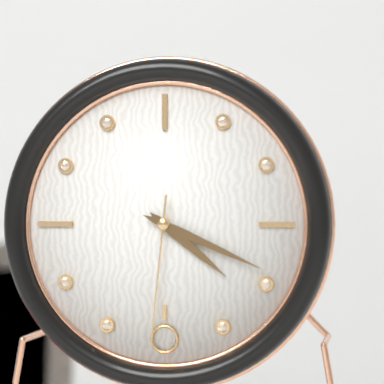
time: 4.19.31
